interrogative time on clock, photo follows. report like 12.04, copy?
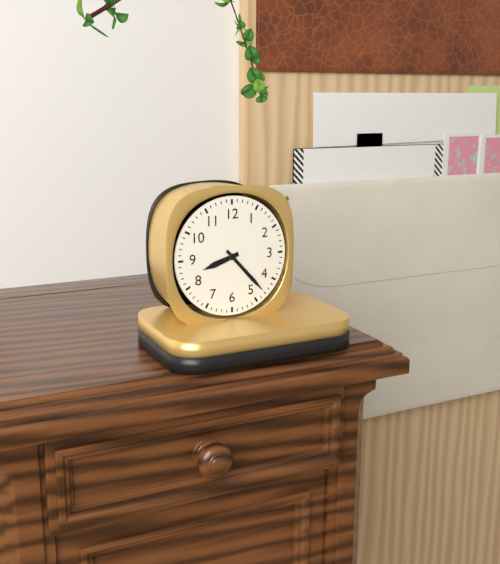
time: 8.23
